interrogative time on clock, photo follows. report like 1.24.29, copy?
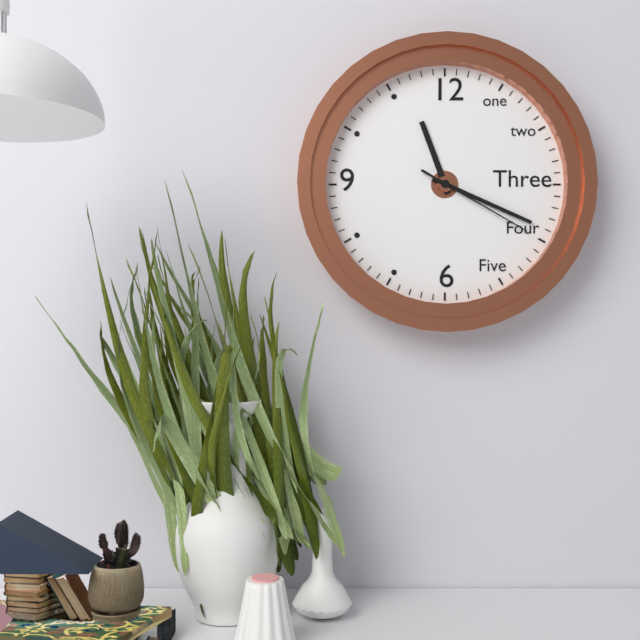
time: 11.19.20
